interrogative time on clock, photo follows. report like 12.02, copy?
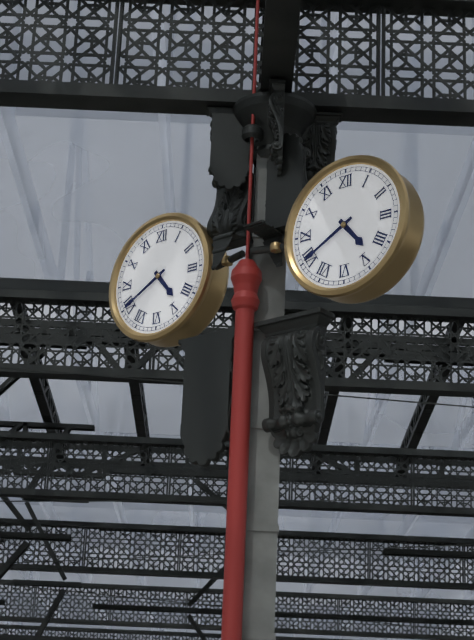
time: 4.40
